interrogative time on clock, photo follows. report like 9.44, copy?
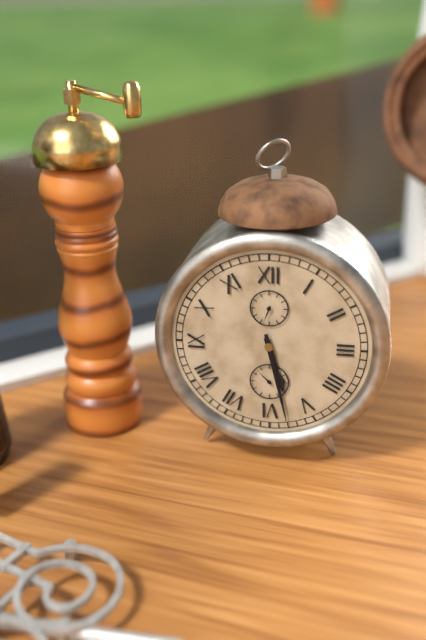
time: 5.28
